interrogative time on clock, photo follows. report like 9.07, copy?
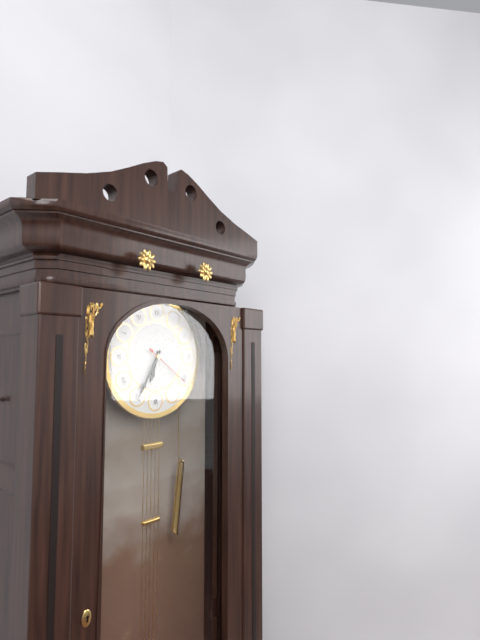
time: 6.35
